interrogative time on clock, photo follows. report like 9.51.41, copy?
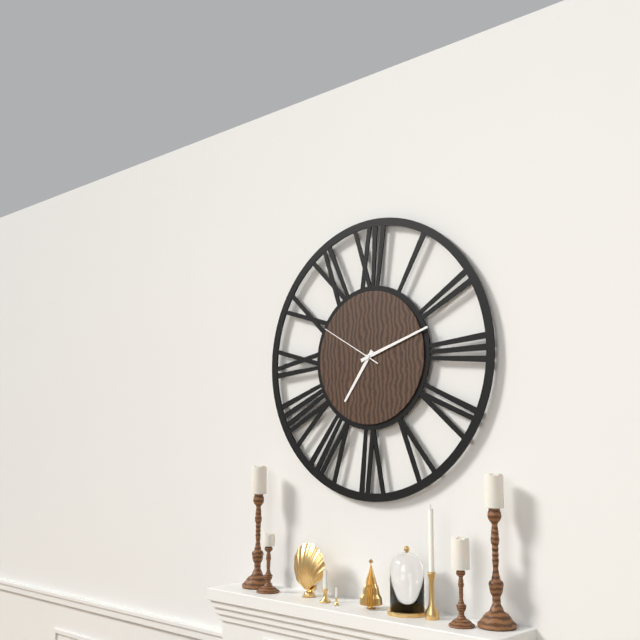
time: 7.12.50
